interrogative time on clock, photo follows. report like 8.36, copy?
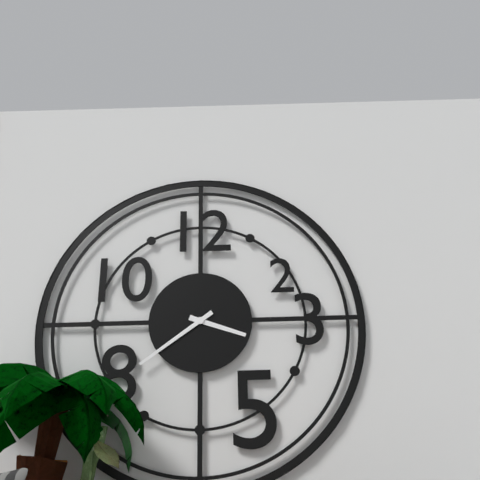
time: 3.39
